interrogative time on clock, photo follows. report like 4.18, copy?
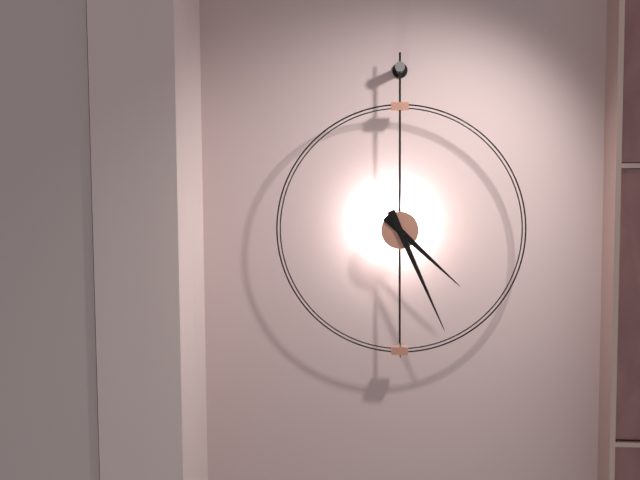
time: 4.26
